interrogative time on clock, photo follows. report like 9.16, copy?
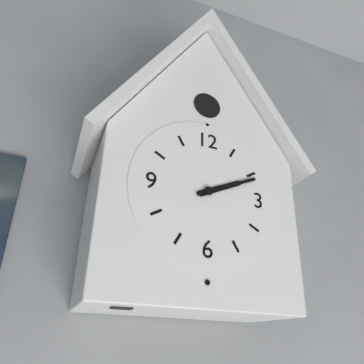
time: 2.11
